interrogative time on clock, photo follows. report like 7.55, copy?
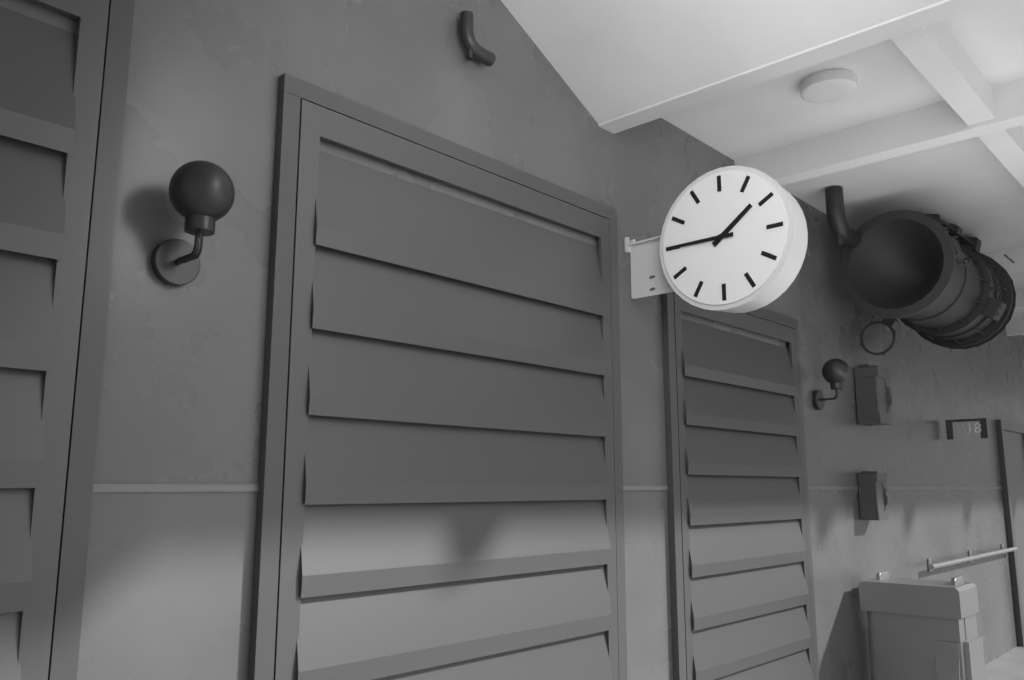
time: 1.45
